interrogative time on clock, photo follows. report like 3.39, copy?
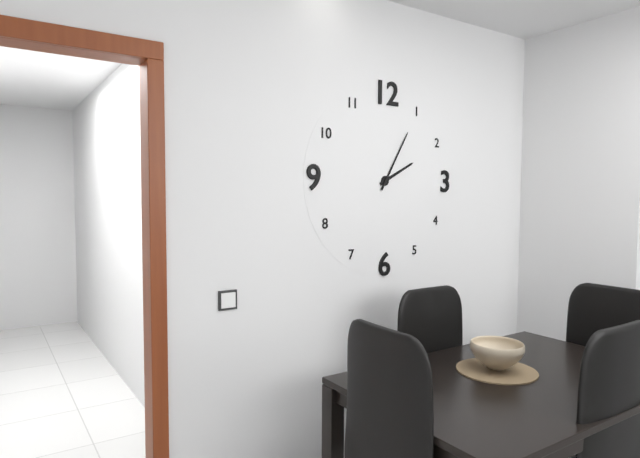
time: 2.05
